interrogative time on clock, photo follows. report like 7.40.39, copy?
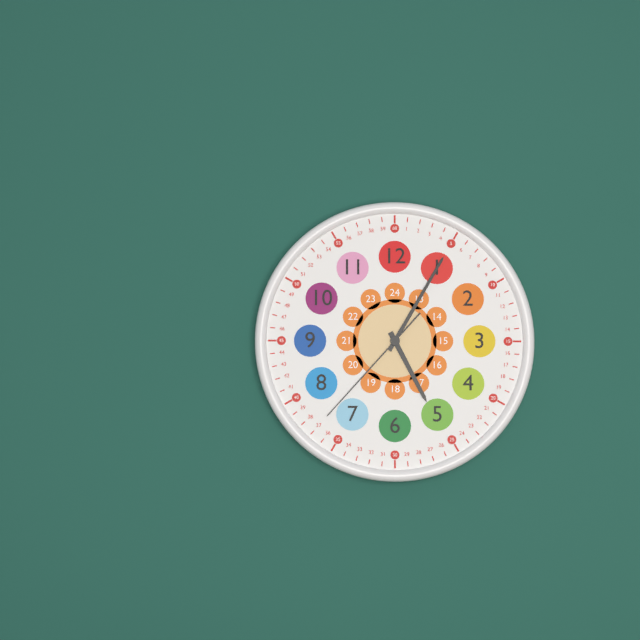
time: 5.05.37
